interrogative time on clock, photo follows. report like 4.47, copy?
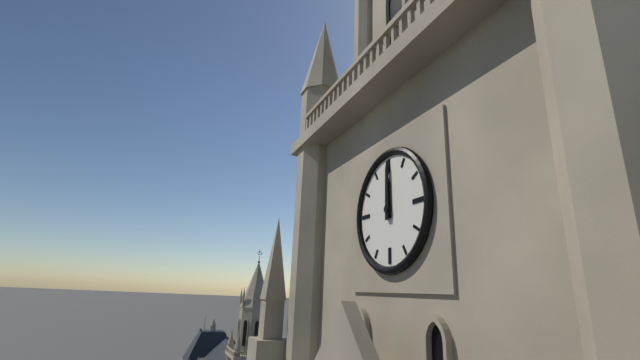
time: 12.00
